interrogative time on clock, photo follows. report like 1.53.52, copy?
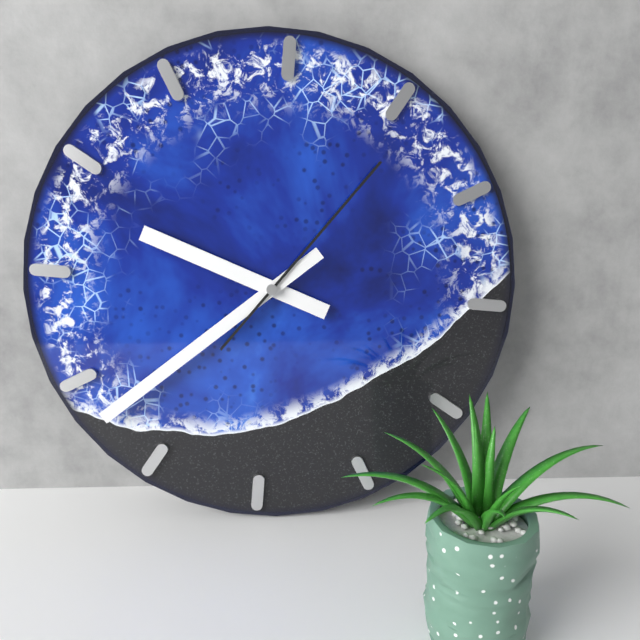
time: 9.38.06
